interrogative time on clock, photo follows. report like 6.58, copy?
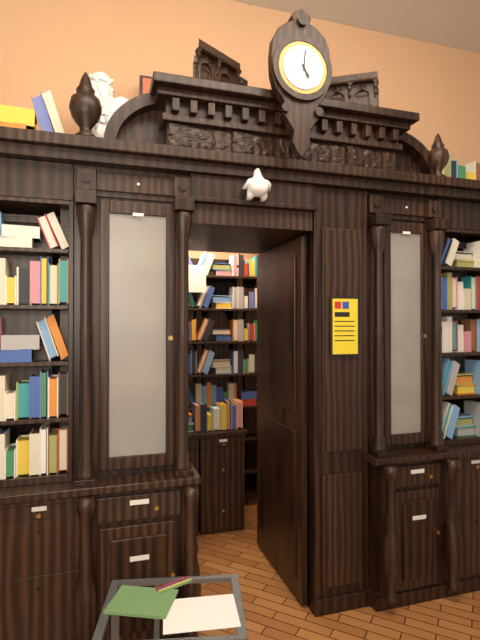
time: 5.01
